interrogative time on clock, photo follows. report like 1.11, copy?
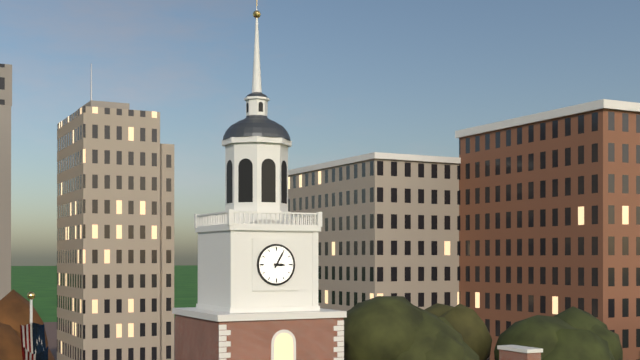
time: 3.05
